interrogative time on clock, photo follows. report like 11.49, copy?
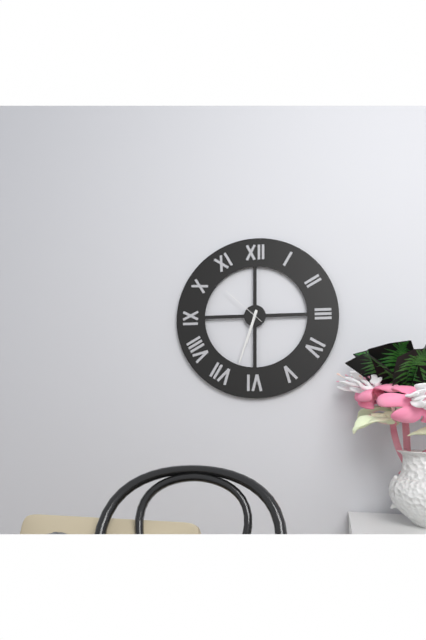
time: 6.33
